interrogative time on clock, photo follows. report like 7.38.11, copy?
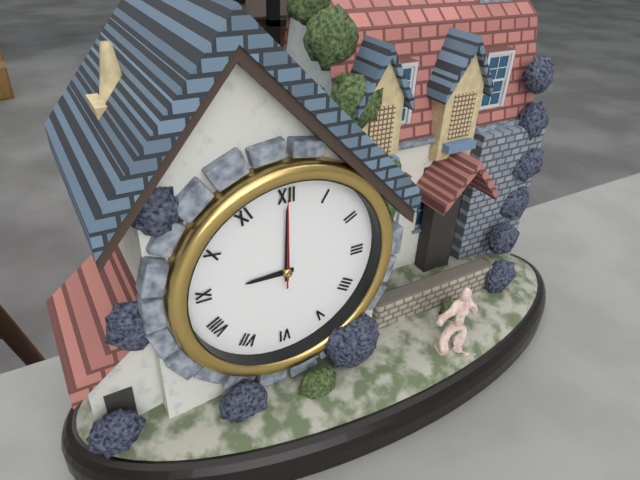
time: 9.00.00
